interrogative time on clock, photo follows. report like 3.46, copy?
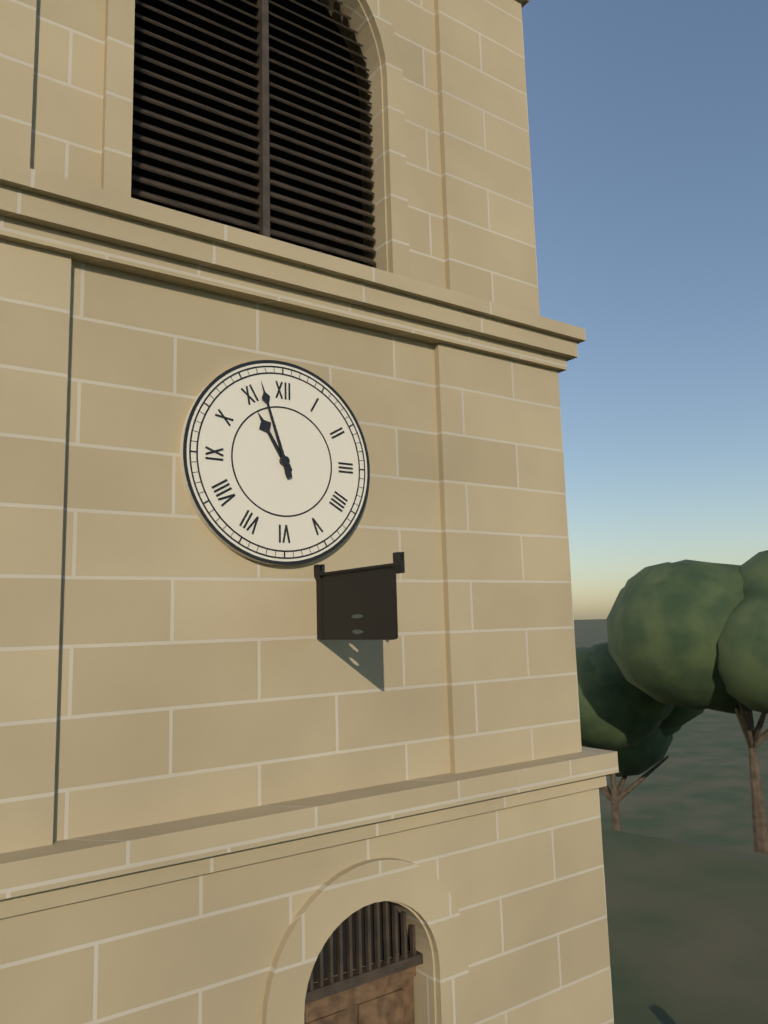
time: 10.57
